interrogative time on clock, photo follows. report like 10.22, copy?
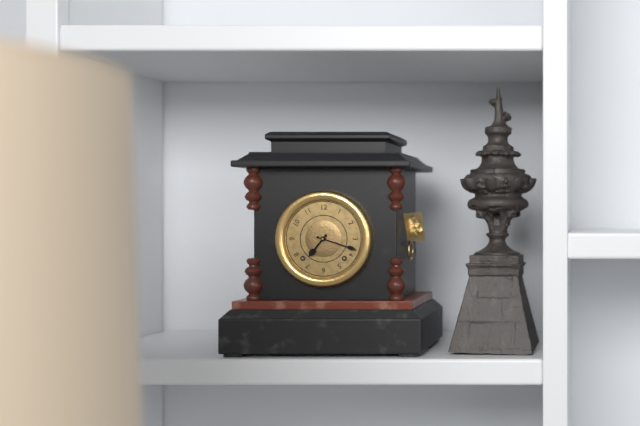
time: 7.18
